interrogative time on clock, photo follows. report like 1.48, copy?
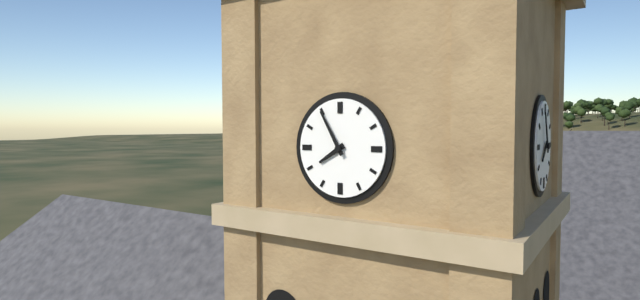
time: 7.55
